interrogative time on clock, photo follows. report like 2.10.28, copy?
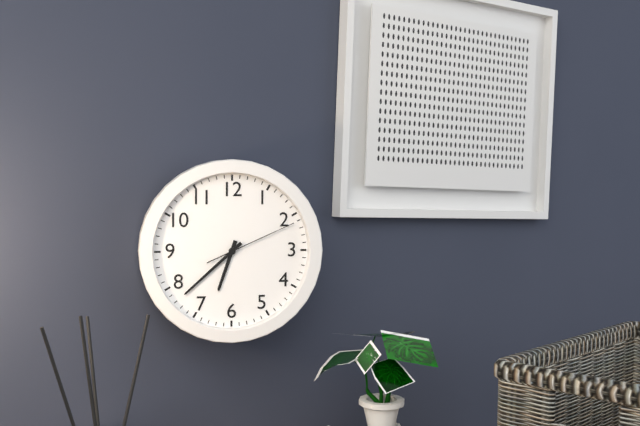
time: 6.38.11
